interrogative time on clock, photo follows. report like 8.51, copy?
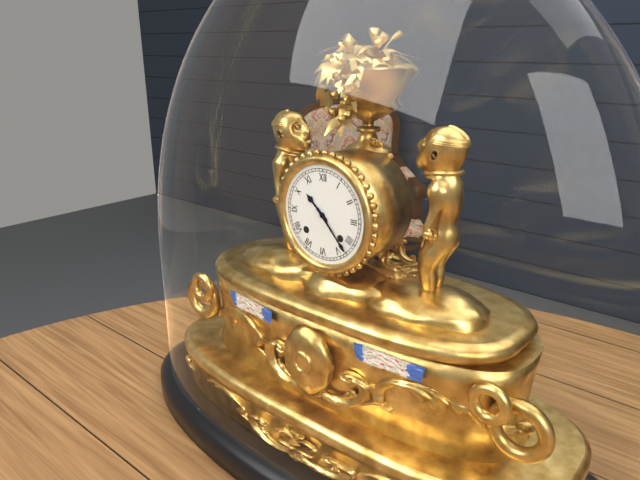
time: 10.23
